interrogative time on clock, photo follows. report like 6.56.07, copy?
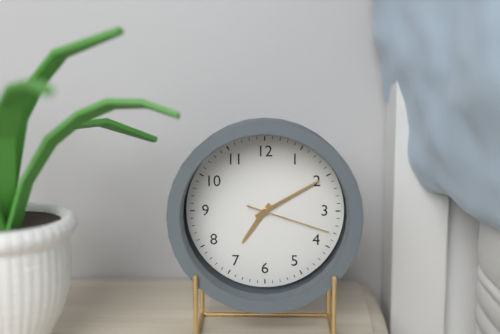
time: 7.10.18
